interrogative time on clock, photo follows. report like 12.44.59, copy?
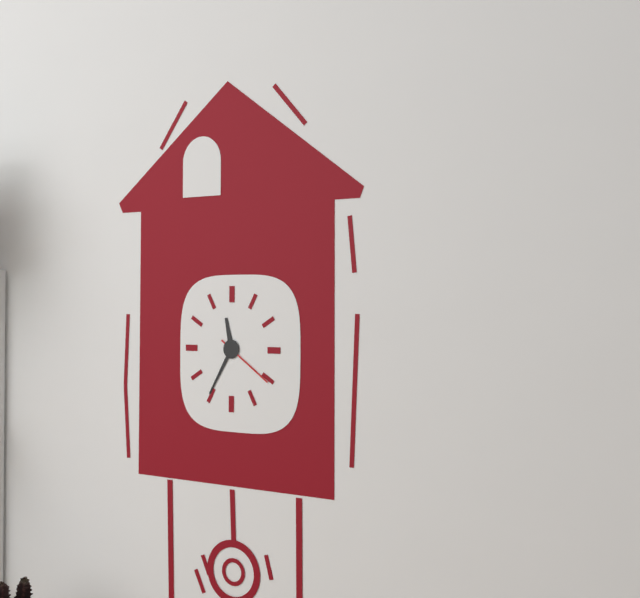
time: 11.35.21
